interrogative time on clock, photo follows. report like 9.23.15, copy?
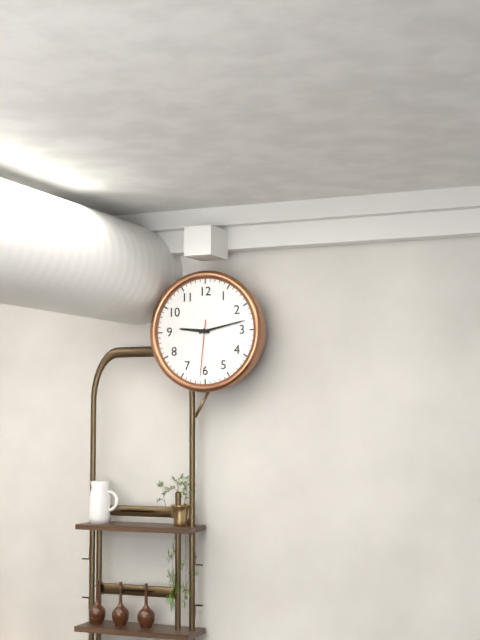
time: 9.13.31
